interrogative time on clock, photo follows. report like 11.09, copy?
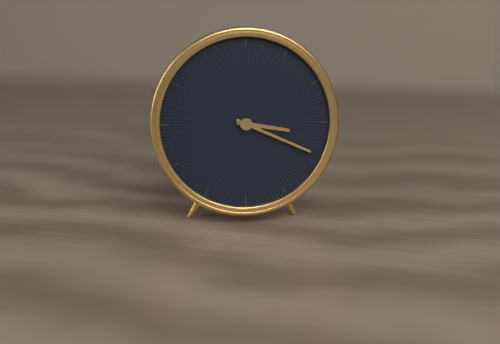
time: 3.19
